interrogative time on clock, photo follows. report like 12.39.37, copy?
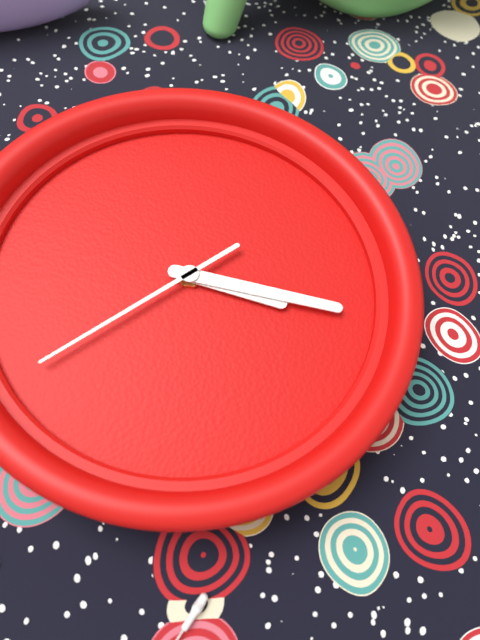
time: 4.21.43
